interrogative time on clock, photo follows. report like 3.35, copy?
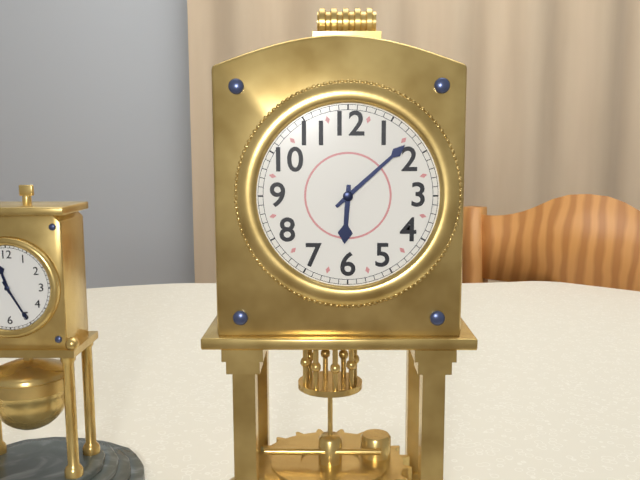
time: 6.08
